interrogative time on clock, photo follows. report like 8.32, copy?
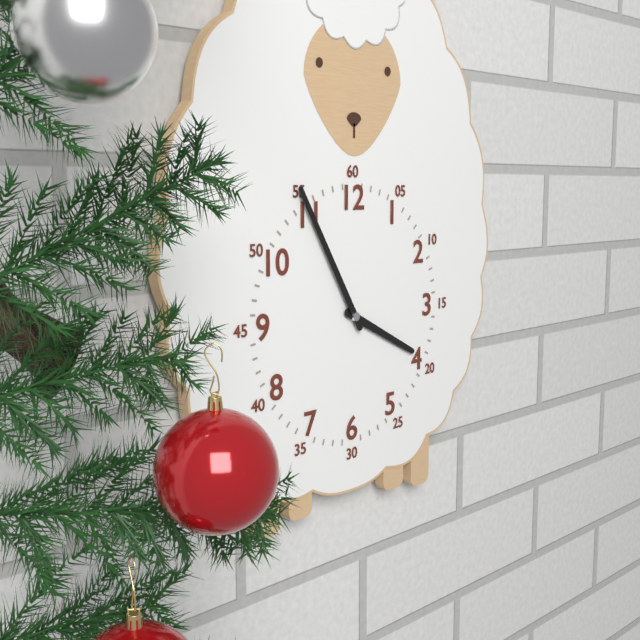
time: 3.55
